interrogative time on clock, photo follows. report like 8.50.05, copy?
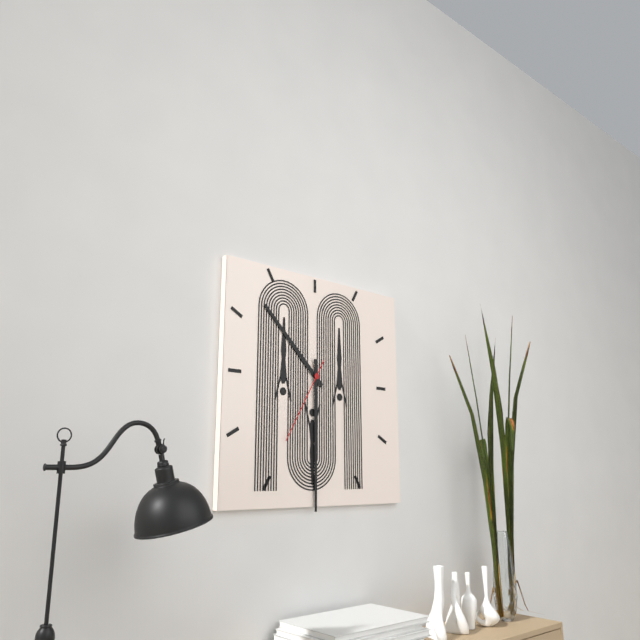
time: 10.30.35
